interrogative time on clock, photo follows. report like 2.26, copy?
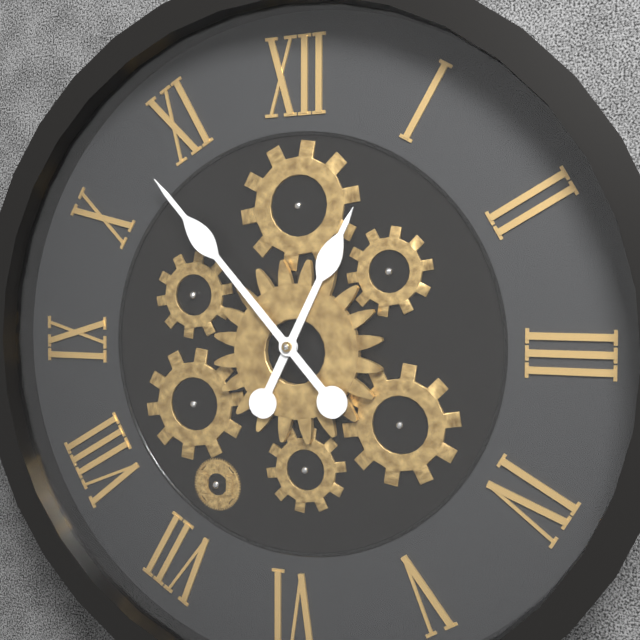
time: 12.53
